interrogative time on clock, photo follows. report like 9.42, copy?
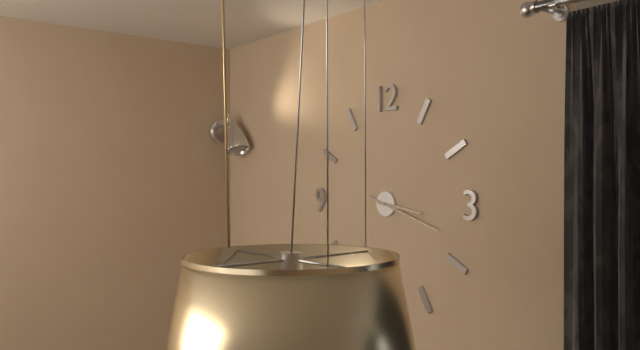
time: 3.18
